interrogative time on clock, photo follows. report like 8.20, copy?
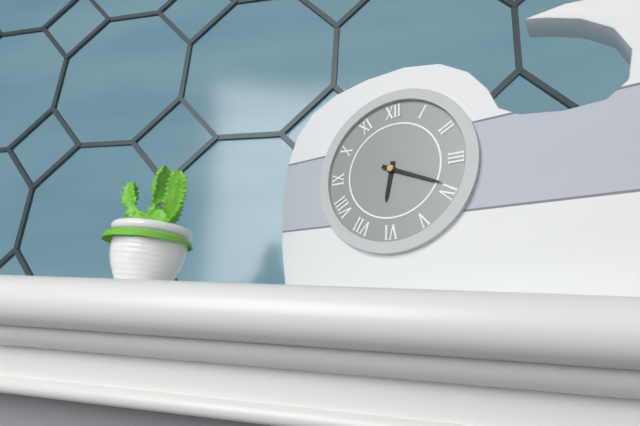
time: 6.19
